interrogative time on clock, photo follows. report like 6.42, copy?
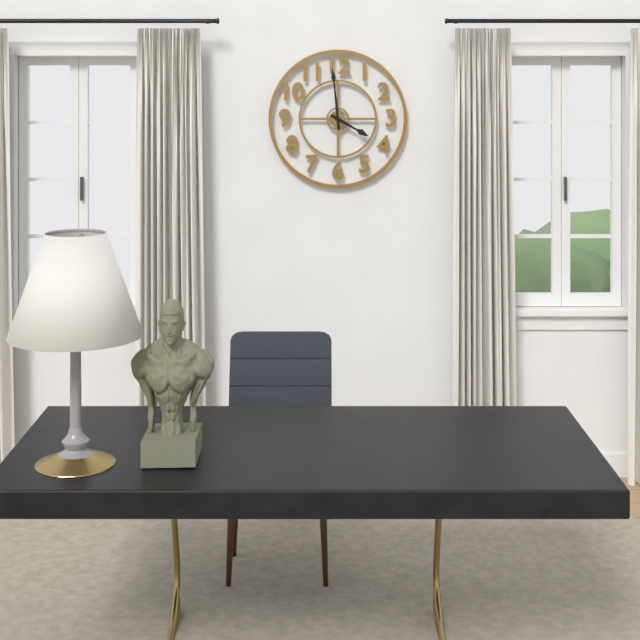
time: 3.59
